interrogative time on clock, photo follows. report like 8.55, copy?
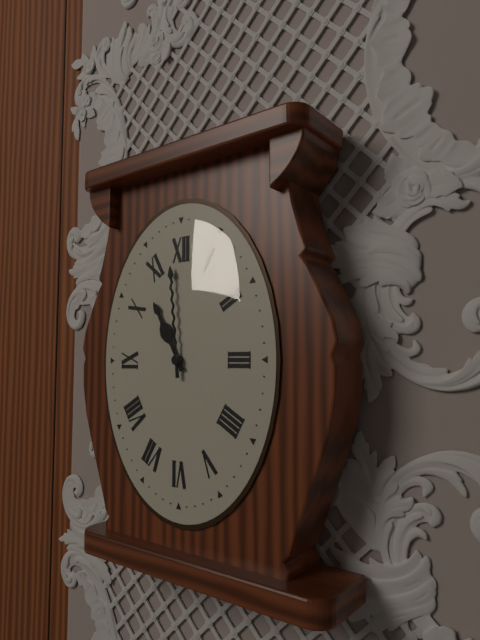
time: 10.59
